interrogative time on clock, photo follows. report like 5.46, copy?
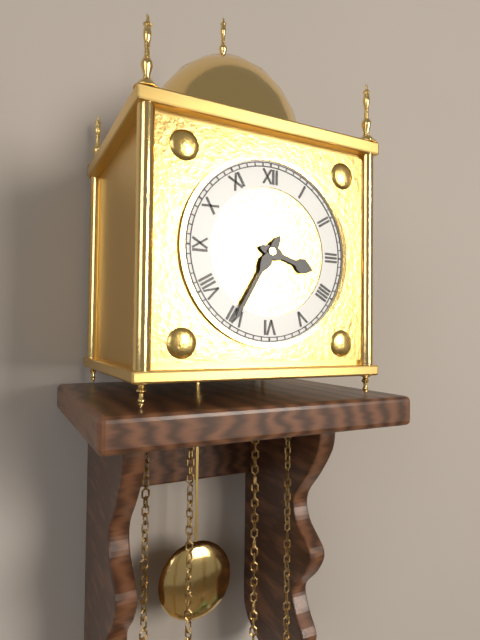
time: 3.35
